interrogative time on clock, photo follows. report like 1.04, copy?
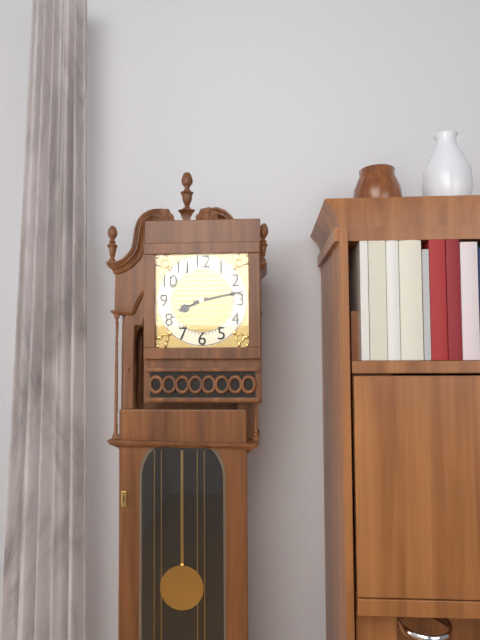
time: 8.13
